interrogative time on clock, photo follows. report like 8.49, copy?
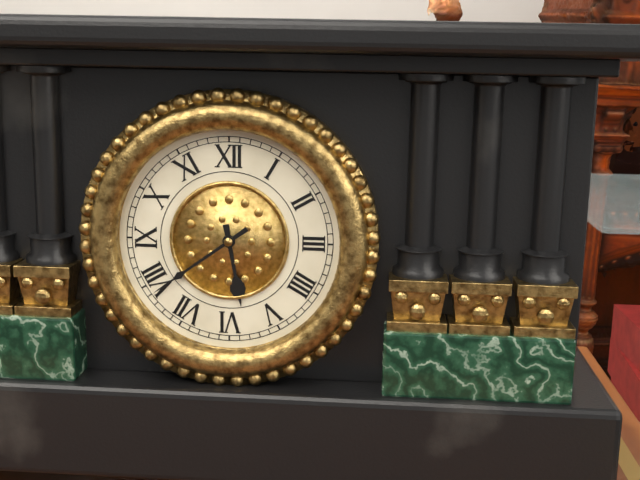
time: 5.39
